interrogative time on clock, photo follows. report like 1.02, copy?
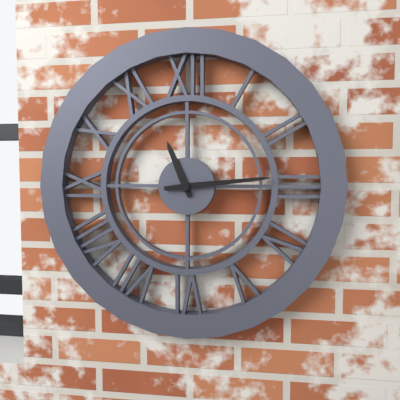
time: 11.14
